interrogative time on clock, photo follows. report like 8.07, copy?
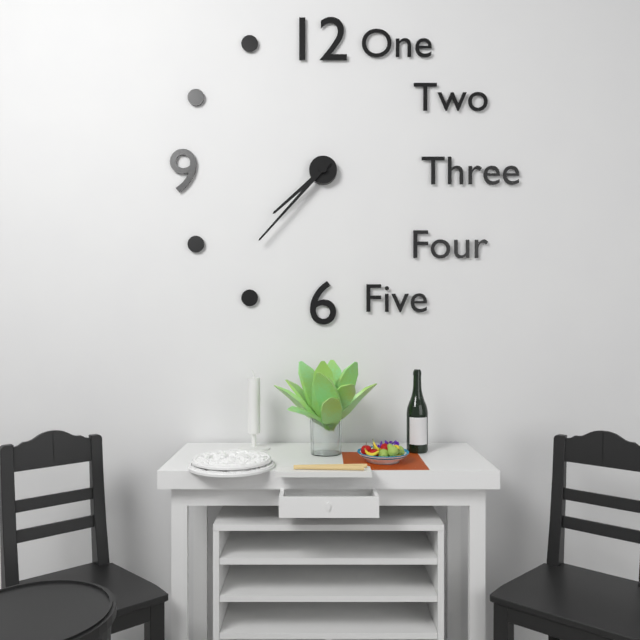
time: 7.37
